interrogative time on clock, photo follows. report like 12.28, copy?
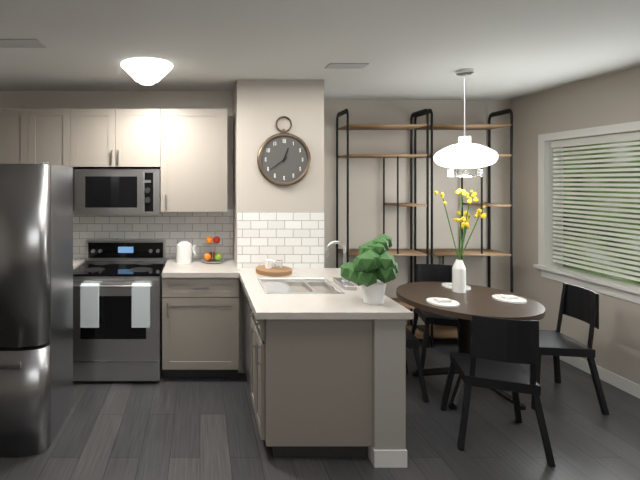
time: 12.39
